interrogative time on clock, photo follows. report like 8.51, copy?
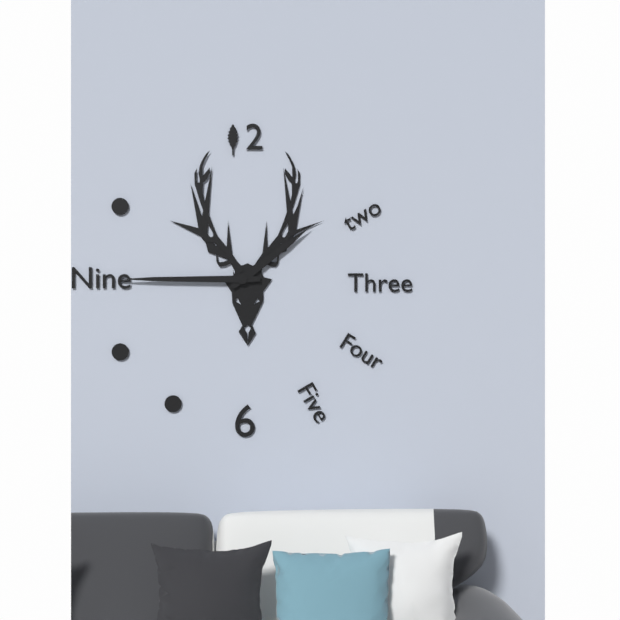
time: 1.45
